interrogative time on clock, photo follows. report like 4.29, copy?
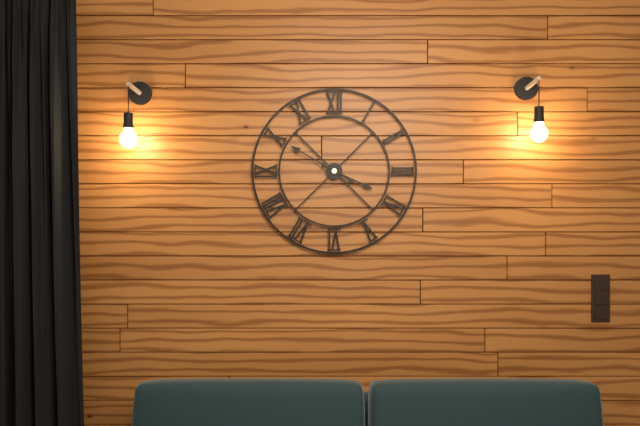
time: 3.50
